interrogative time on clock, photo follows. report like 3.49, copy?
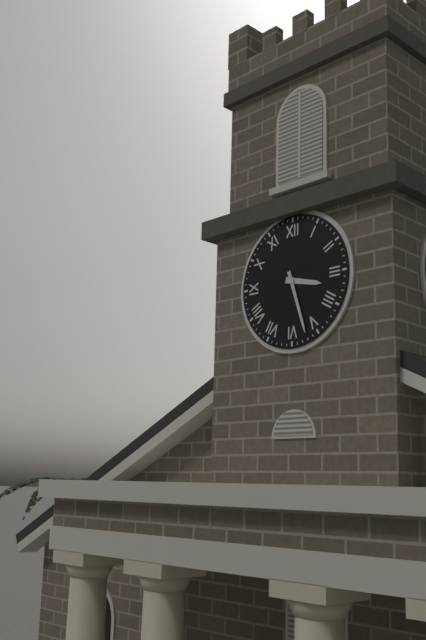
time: 3.27
